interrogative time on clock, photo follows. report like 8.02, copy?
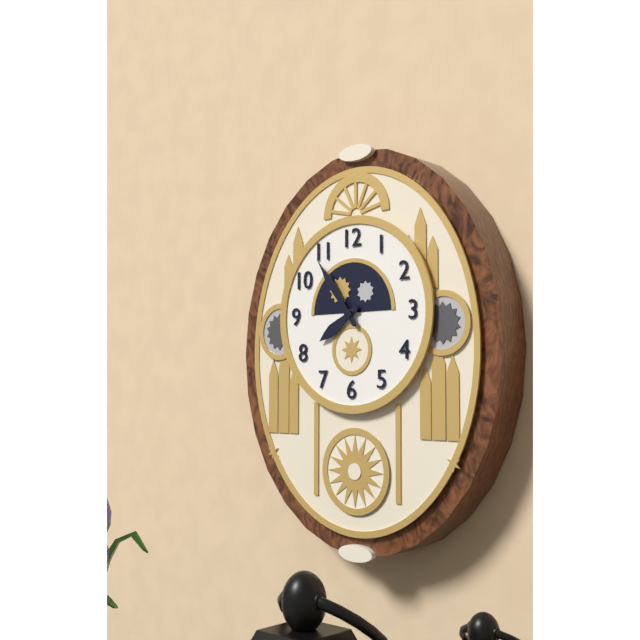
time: 7.54
